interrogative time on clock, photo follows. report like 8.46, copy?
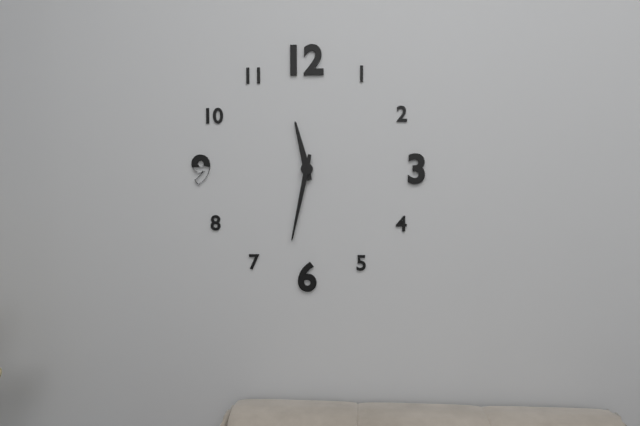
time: 11.32
